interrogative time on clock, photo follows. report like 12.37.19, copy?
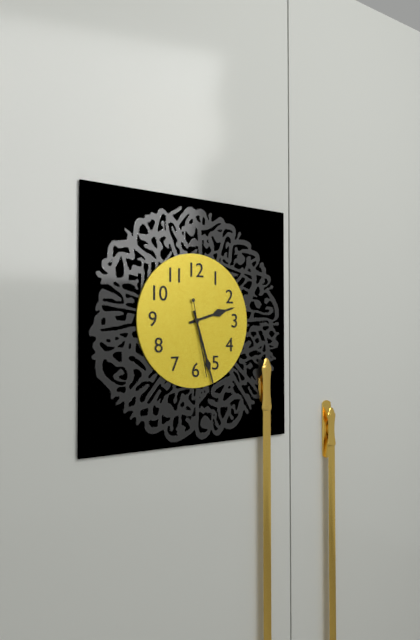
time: 2.27.28
